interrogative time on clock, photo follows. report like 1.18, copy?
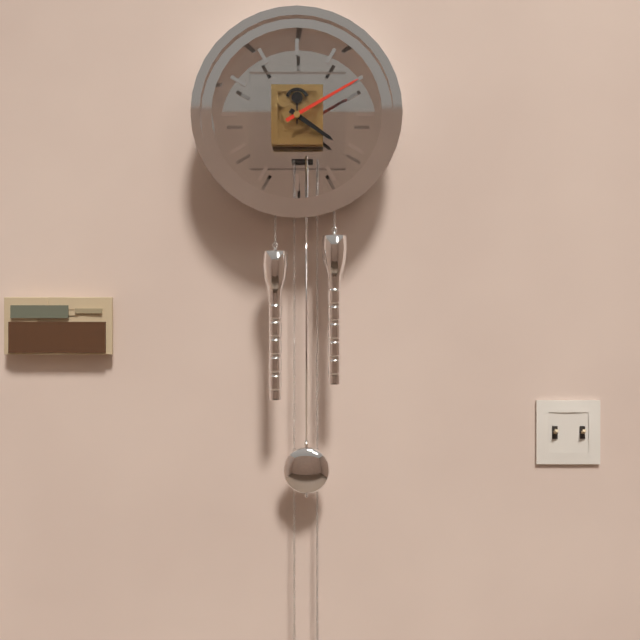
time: 4.10
